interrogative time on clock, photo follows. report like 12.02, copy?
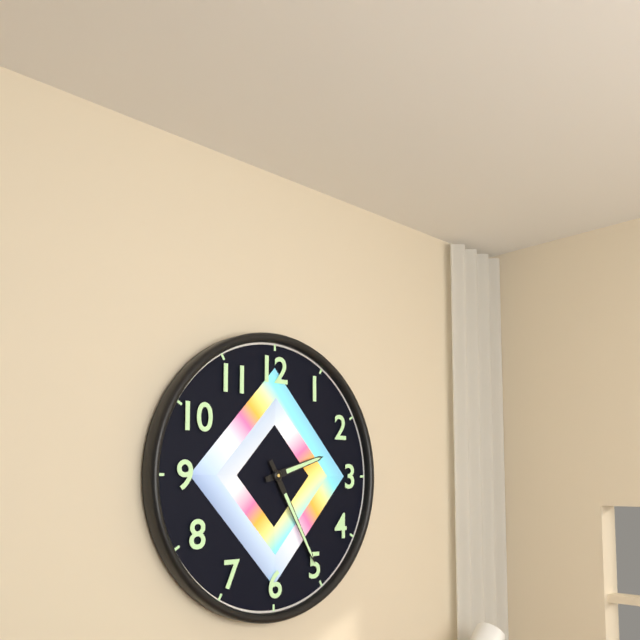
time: 2.25
